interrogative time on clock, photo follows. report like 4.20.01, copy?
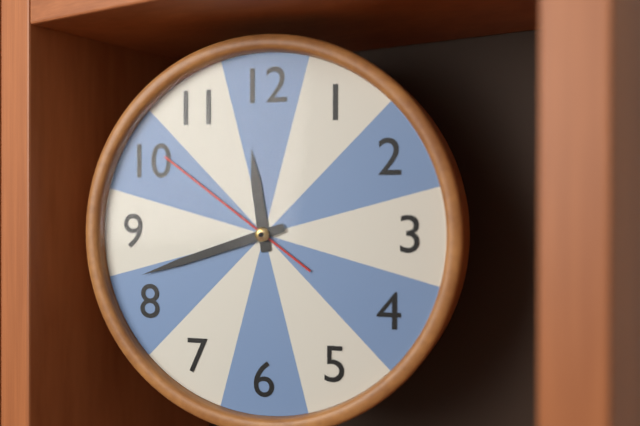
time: 11.42.51
